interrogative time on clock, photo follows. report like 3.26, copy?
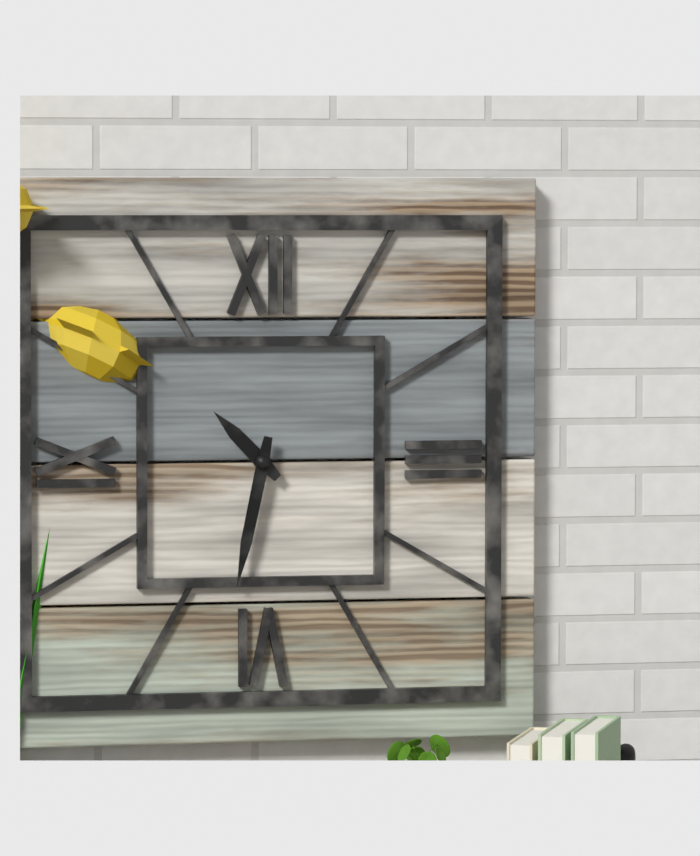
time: 10.32
